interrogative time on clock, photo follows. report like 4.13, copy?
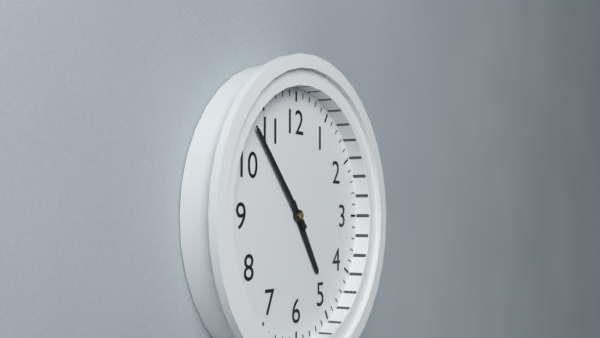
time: 4.53
